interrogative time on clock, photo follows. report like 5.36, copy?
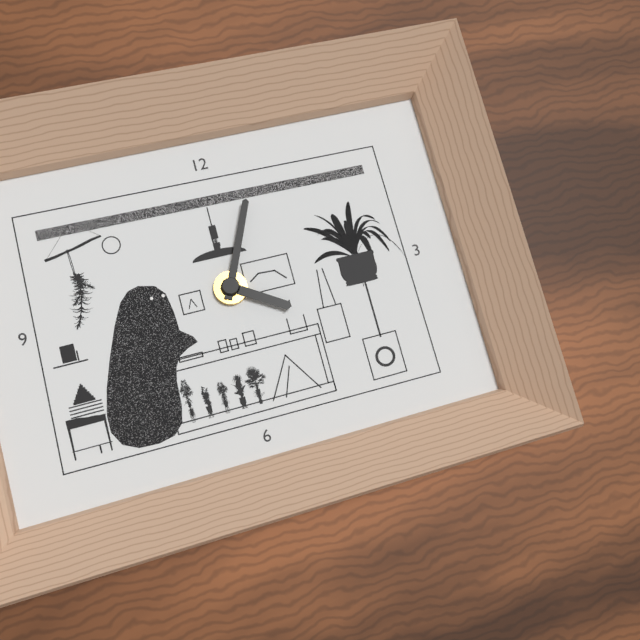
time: 4.04
